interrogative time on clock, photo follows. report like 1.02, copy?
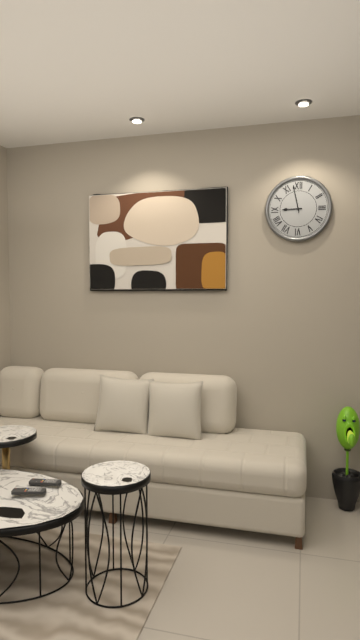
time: 8.58
